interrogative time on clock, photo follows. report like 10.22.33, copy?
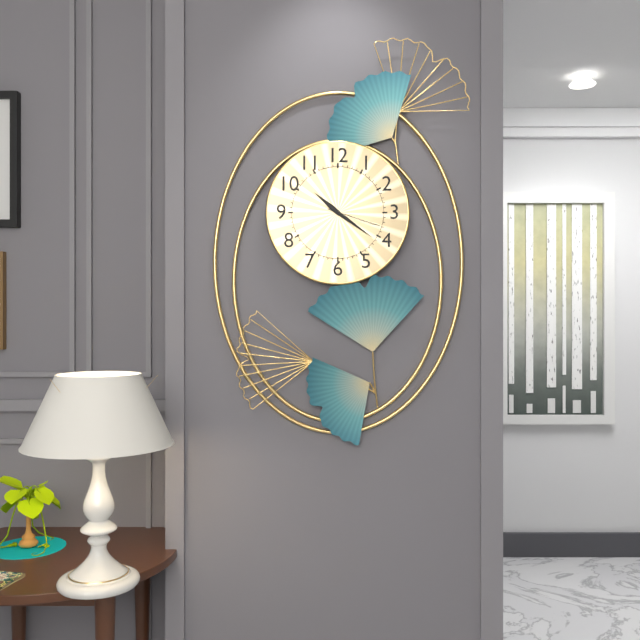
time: 10.21.18
